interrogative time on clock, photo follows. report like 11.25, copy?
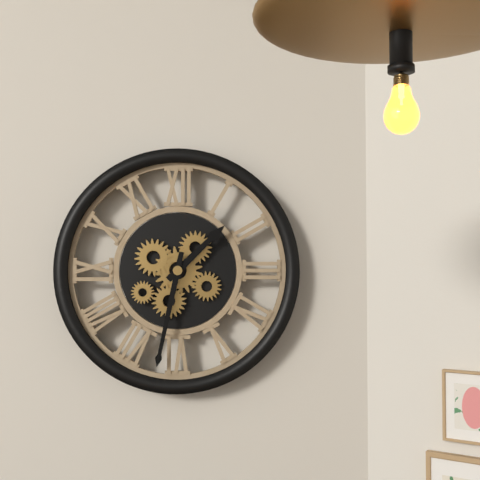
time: 1.32
